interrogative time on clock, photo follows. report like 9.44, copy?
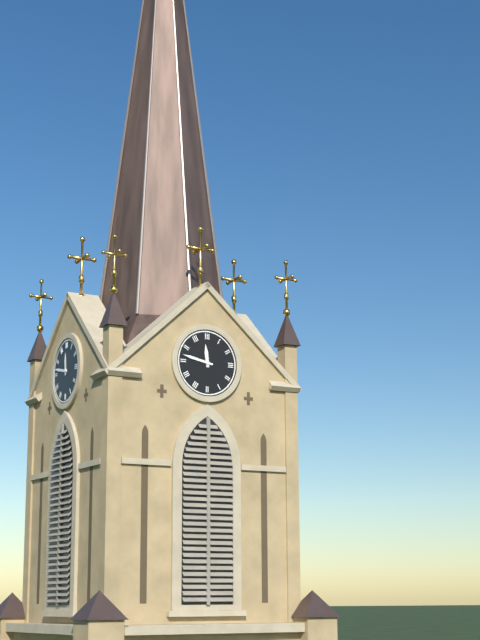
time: 11.47
